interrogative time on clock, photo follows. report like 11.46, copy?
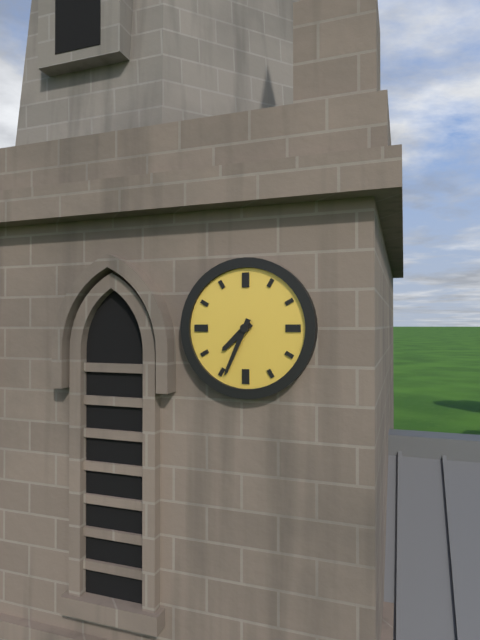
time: 7.34
